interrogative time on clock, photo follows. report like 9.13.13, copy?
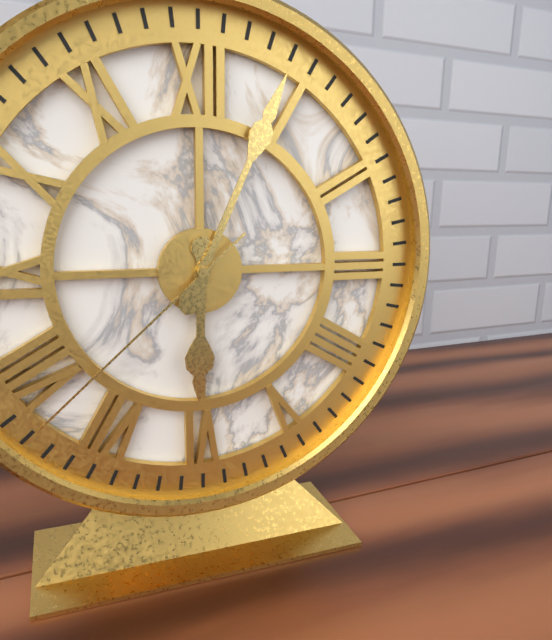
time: 6.04.38
